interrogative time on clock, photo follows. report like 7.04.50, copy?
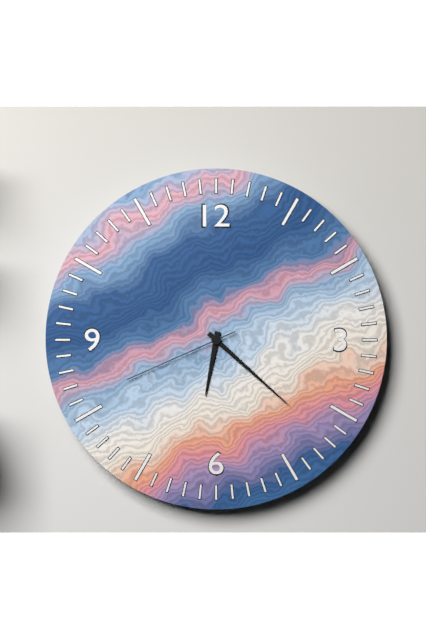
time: 6.22.41
